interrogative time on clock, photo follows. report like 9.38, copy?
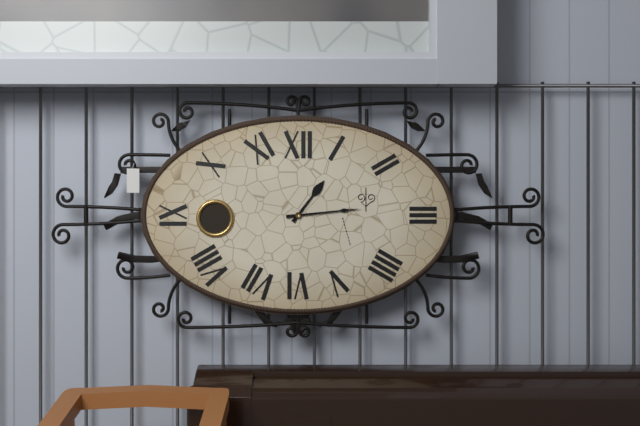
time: 1.14
